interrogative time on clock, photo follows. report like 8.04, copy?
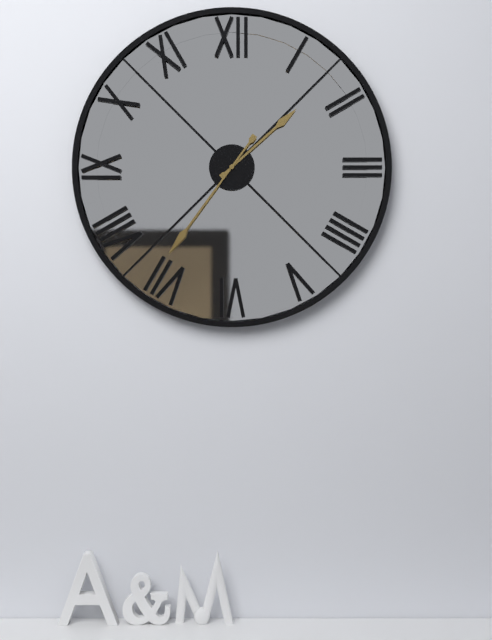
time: 1.36
